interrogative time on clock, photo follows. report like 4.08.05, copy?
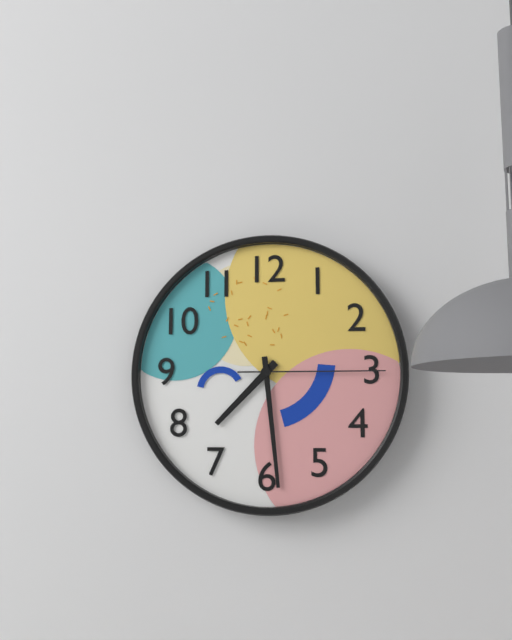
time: 7.29.15
